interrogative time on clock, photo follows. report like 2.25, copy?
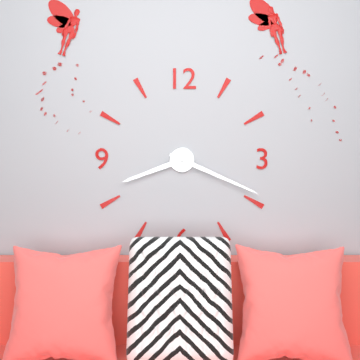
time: 8.19
